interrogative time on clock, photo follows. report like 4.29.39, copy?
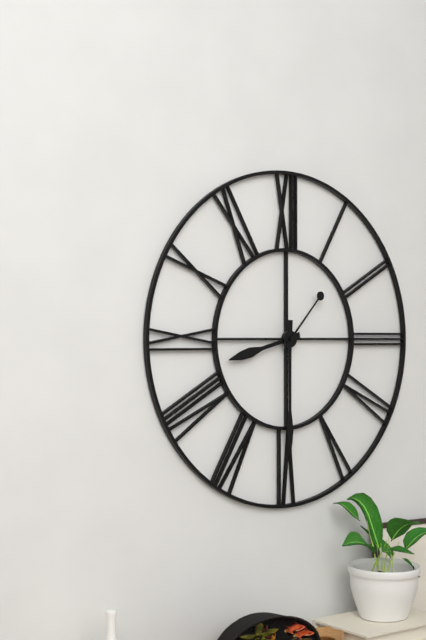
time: 8.30.07
